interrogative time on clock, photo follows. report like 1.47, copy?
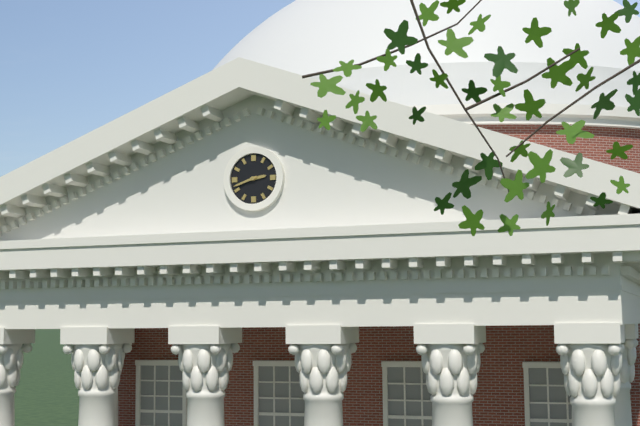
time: 2.42
